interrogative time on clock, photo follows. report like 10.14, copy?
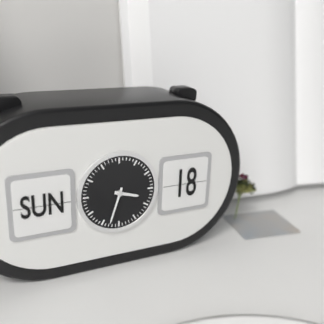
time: 3.33
